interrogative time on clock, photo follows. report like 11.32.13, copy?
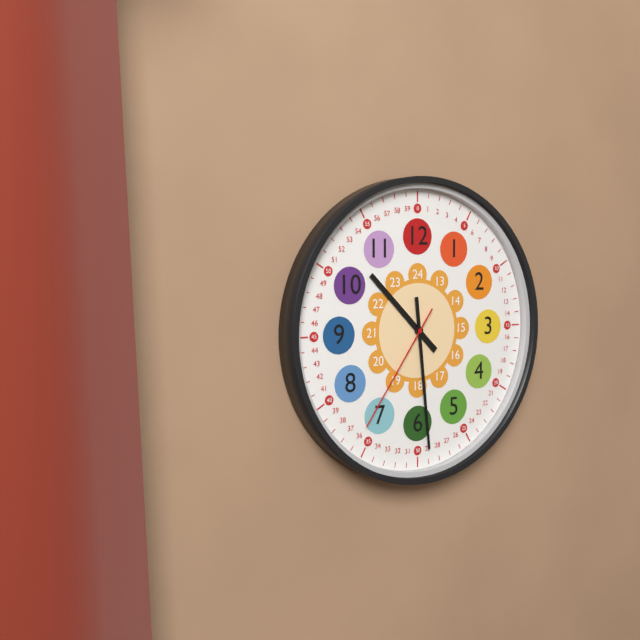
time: 10.29.36
